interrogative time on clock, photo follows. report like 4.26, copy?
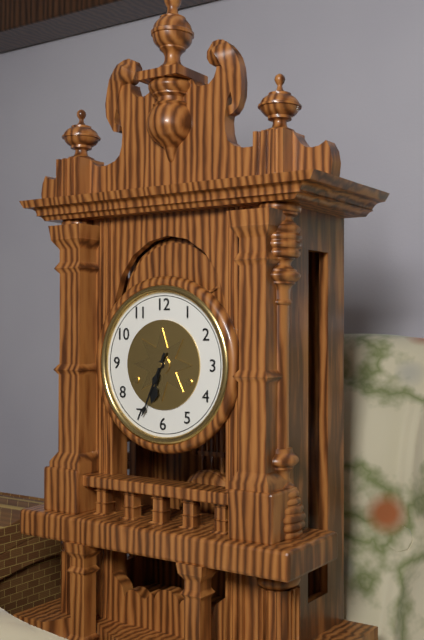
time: 6.34
